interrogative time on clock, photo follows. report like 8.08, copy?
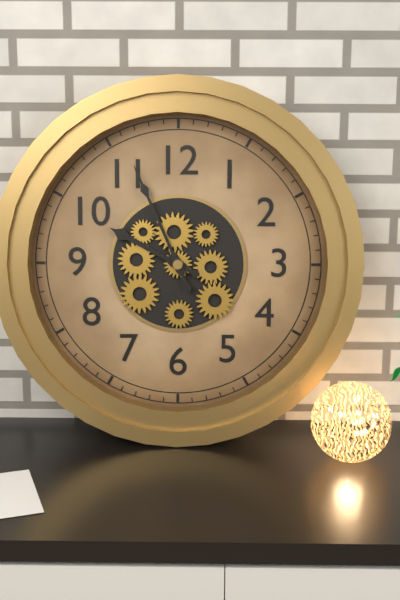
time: 9.56
